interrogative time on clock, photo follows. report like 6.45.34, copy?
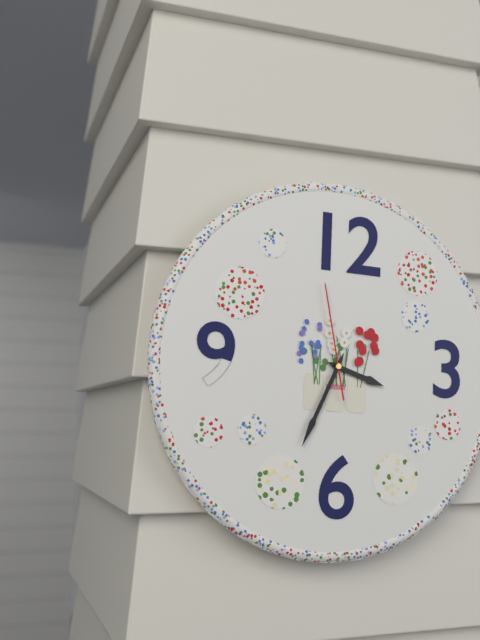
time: 3.34.58
